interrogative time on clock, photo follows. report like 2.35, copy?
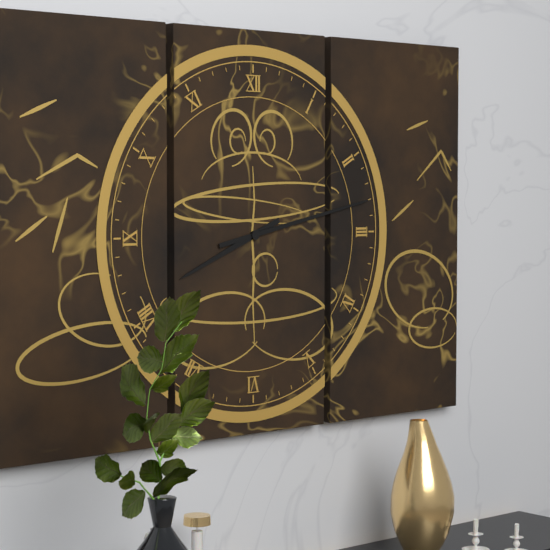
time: 8.13
